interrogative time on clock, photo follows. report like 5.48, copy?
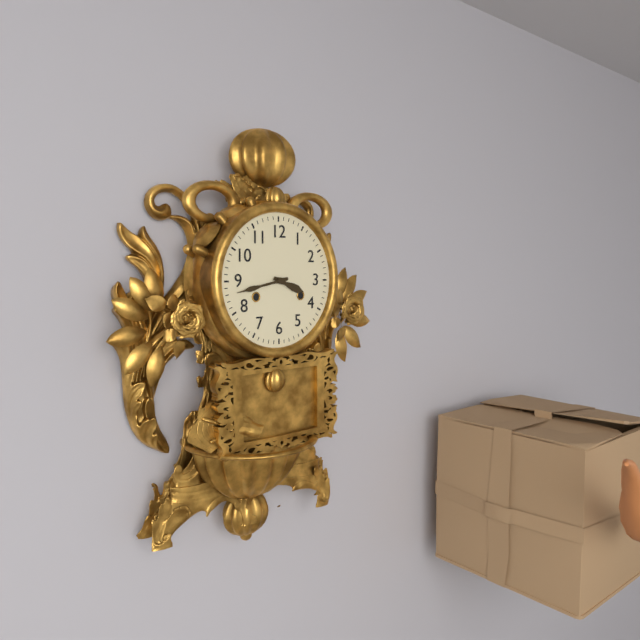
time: 3.43
